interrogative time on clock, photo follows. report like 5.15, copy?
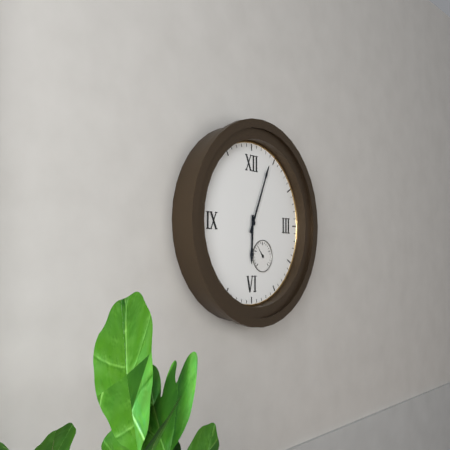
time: 6.04
